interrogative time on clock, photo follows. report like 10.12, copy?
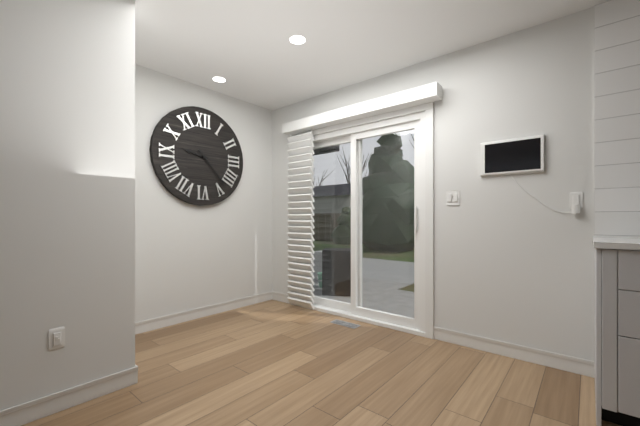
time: 9.23
